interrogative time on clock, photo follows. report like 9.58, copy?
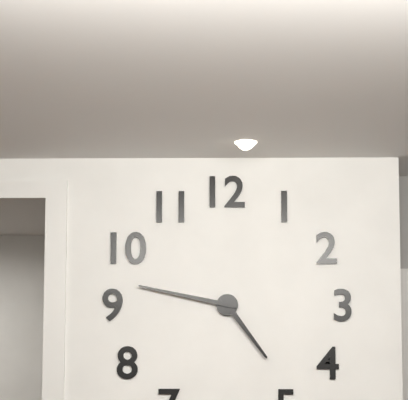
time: 4.47
